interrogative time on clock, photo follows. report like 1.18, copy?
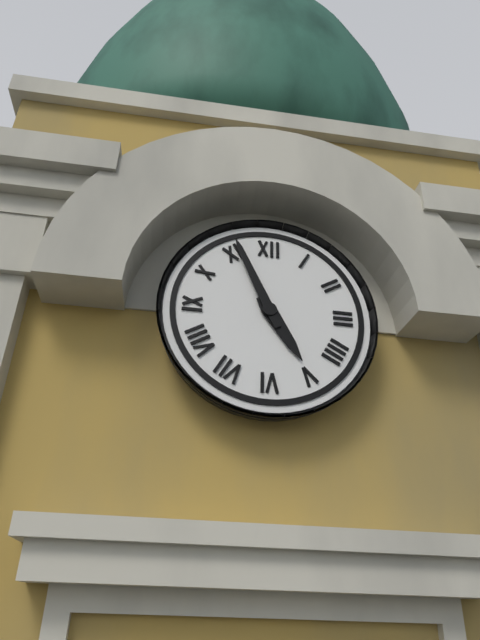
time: 4.56
